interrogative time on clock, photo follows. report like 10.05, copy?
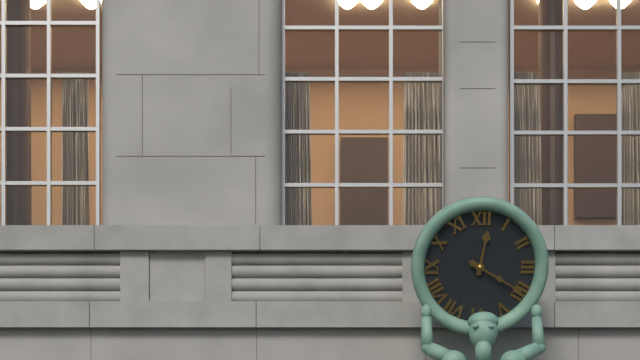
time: 12.20
